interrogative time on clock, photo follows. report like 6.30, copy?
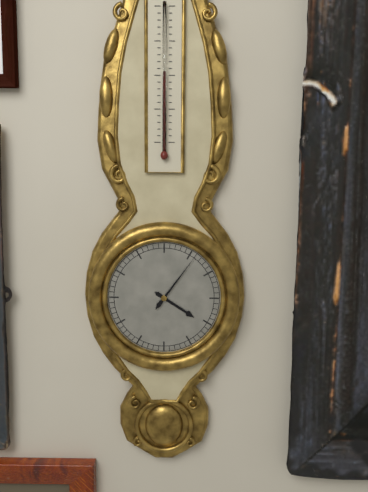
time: 4.06
